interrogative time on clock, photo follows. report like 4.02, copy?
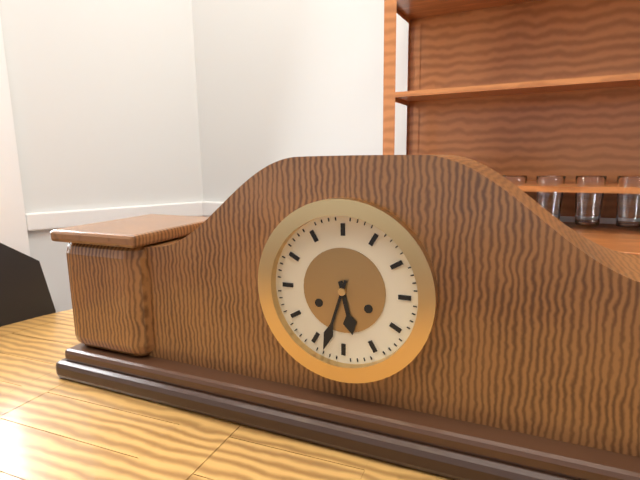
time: 5.33
